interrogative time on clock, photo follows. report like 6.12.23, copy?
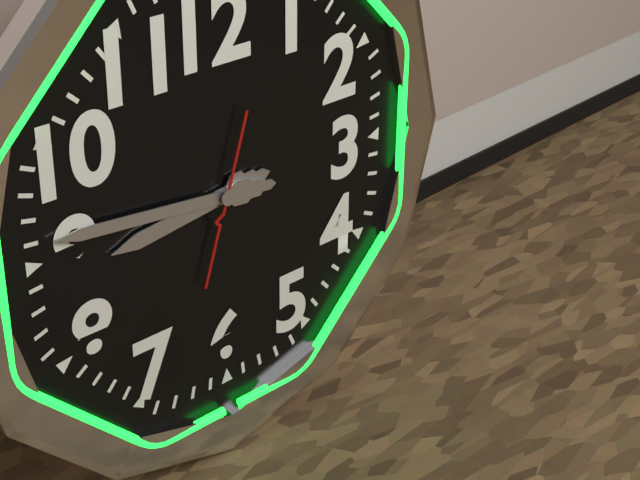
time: 8.46.33
